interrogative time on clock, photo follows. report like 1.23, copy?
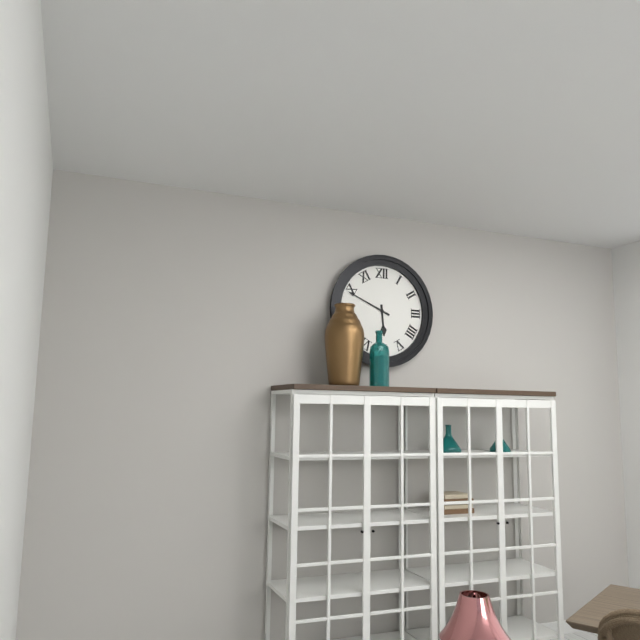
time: 5.49
